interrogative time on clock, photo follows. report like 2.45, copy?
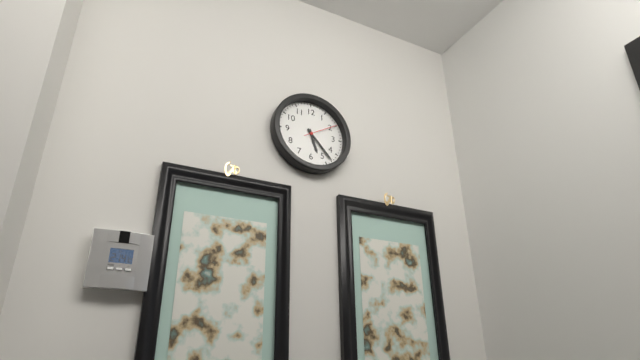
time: 5.23
